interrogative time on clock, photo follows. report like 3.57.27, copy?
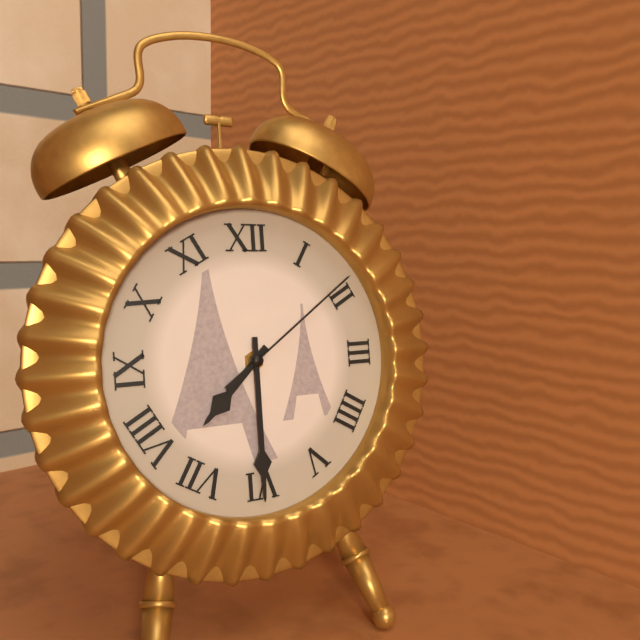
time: 7.30.09
